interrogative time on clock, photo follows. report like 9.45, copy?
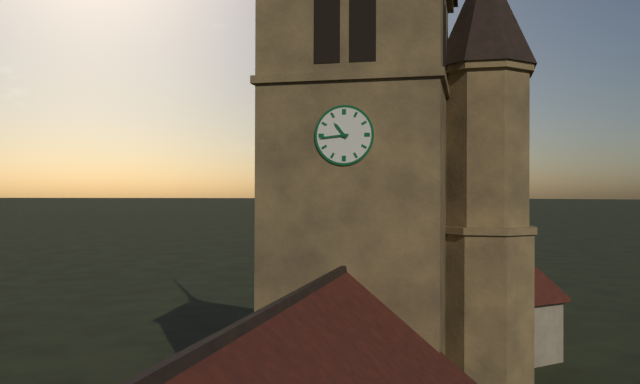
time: 10.44
